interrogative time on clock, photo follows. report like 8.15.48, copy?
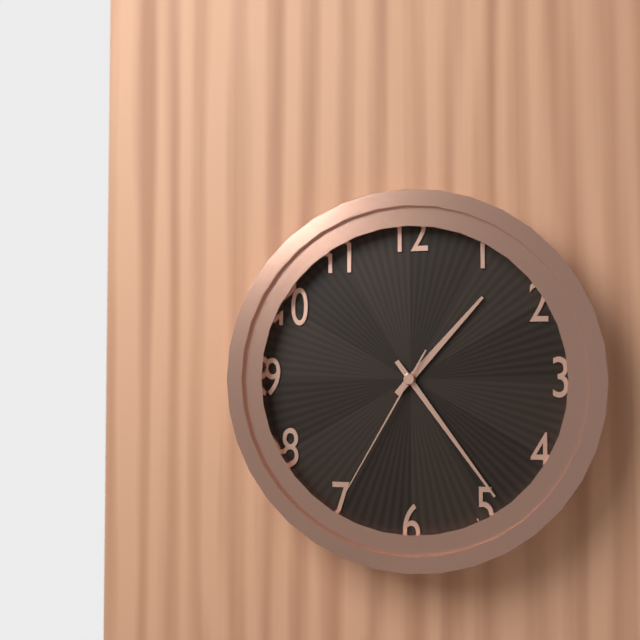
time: 1.24.35
